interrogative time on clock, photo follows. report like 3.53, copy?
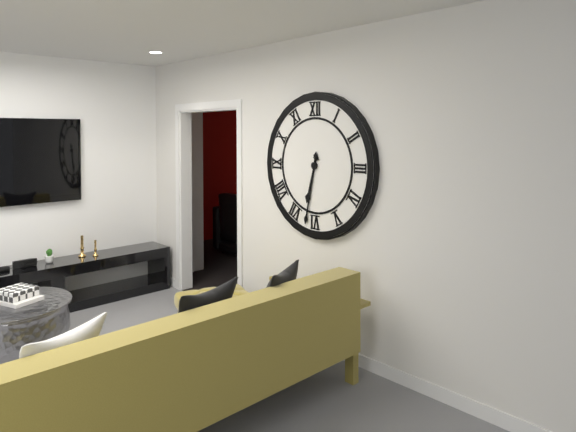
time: 6.32
